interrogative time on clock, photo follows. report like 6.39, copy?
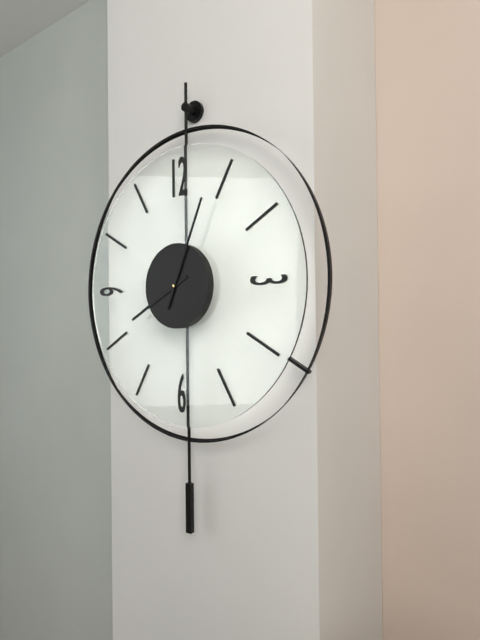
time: 8.04
